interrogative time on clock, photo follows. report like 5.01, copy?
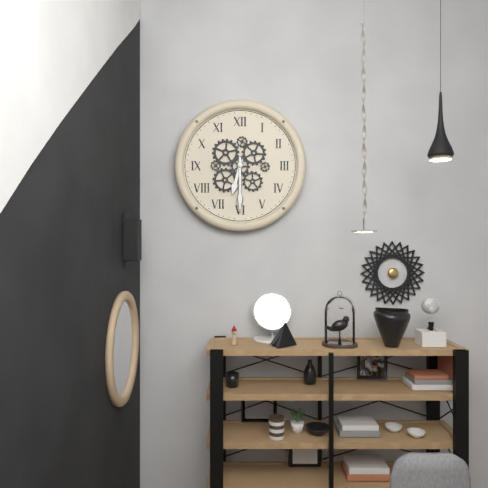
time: 6.30
